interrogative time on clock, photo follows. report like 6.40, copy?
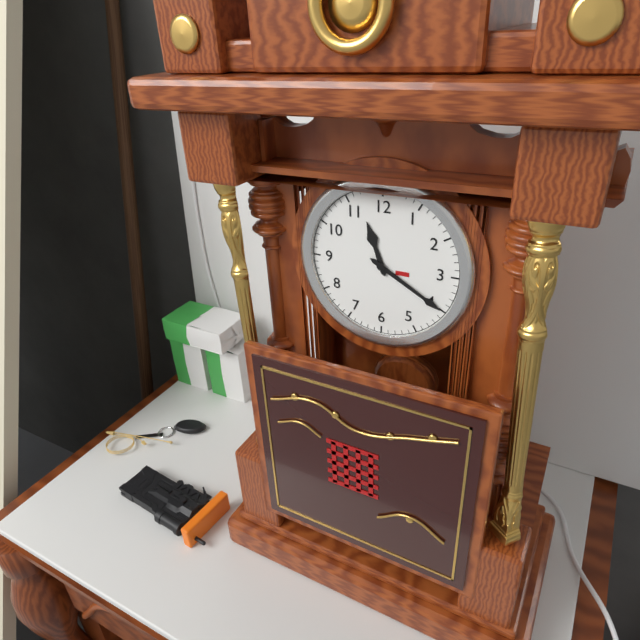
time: 11.20
